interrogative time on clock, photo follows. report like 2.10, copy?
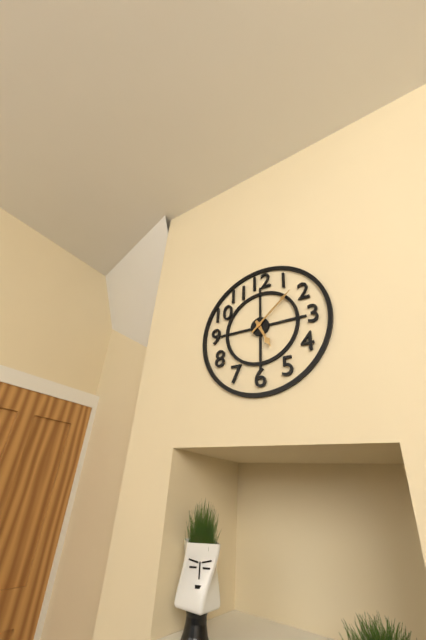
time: 5.08
